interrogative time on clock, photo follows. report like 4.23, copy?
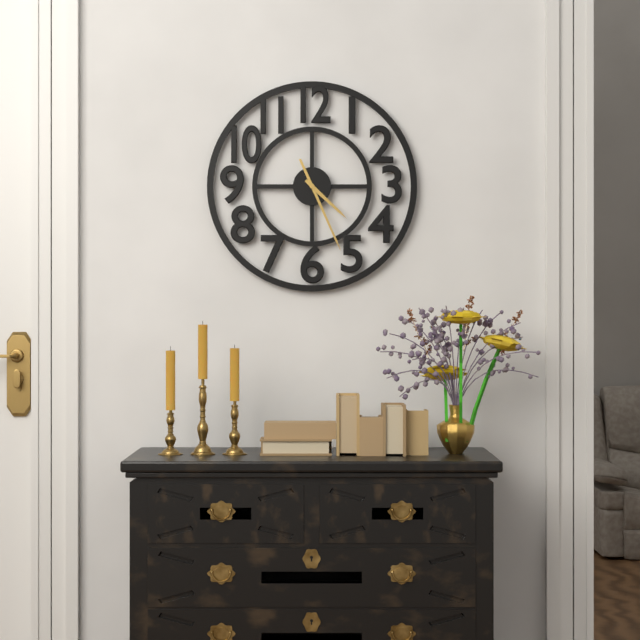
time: 4.26
